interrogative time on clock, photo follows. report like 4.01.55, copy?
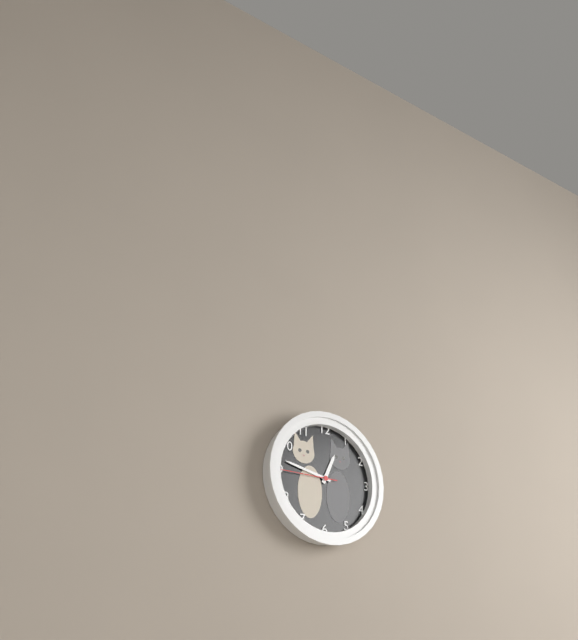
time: 12.47.45
